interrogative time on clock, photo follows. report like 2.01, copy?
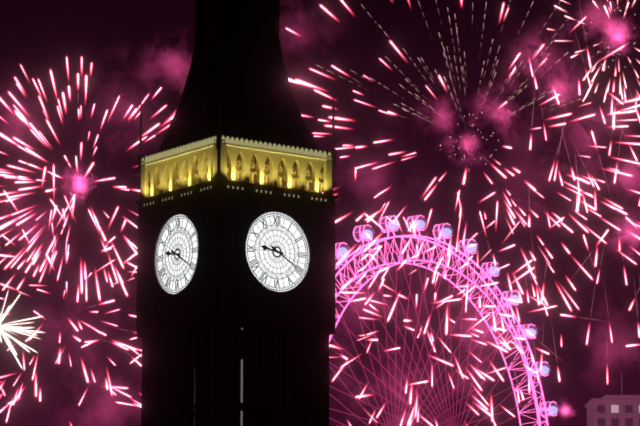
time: 9.20
